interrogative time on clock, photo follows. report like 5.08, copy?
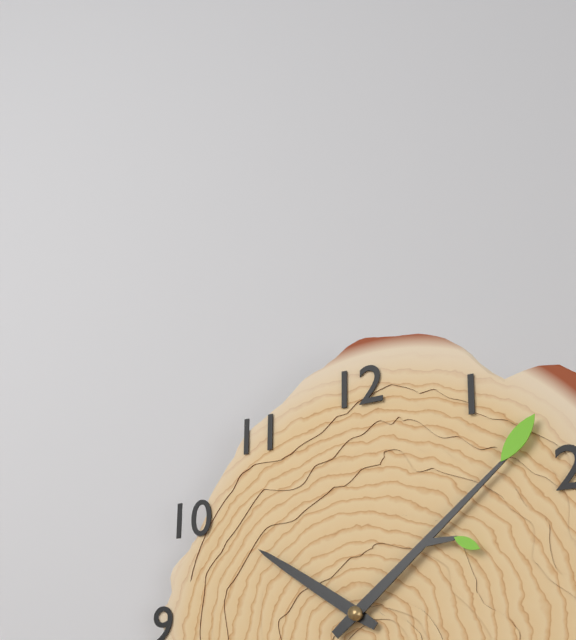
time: 10.08
